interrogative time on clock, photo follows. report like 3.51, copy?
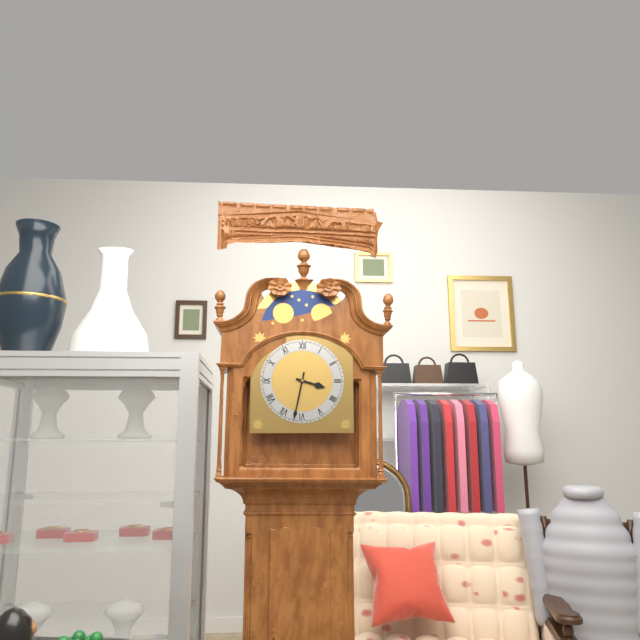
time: 3.32
